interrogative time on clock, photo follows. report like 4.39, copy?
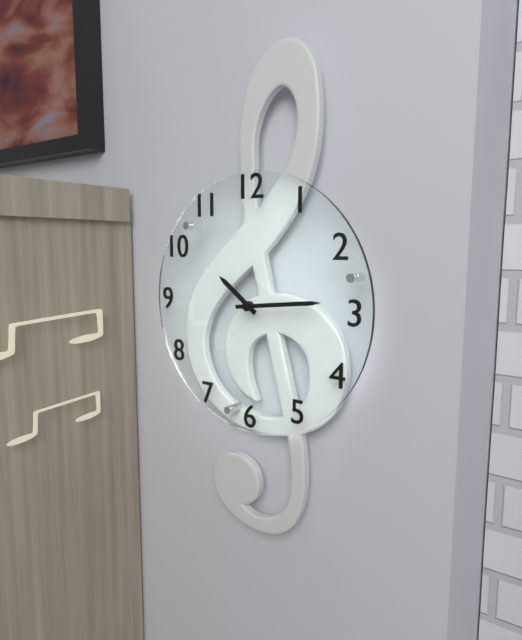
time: 10.14
